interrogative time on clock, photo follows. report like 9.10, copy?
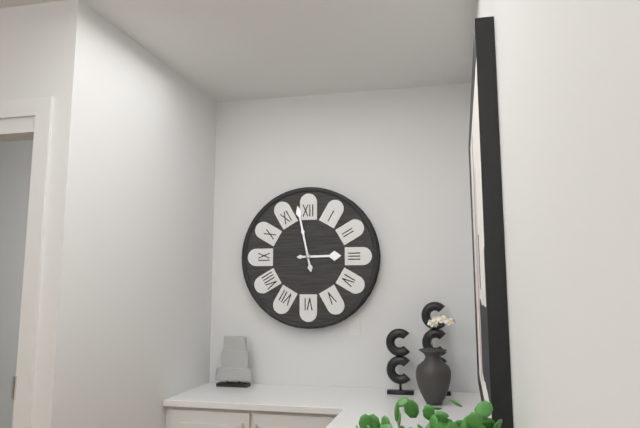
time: 2.58
